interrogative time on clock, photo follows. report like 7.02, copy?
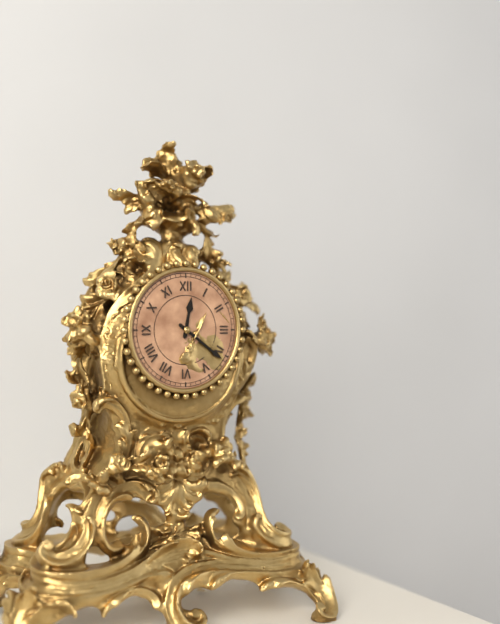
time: 12.21
